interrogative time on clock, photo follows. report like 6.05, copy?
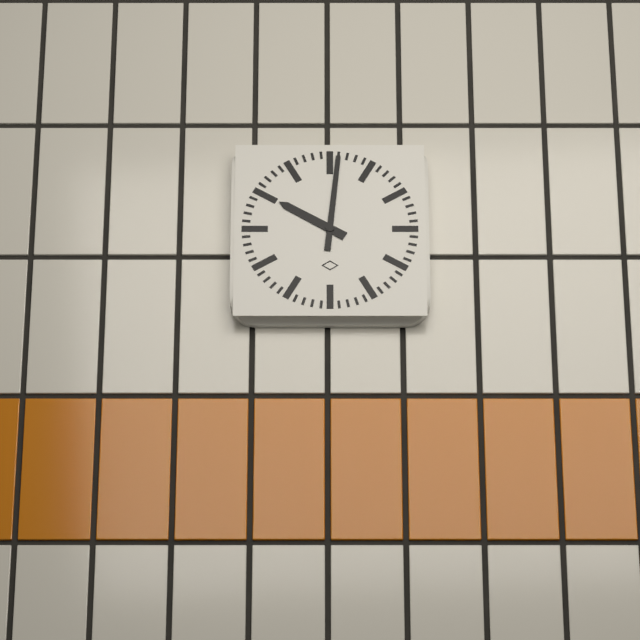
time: 10.01
